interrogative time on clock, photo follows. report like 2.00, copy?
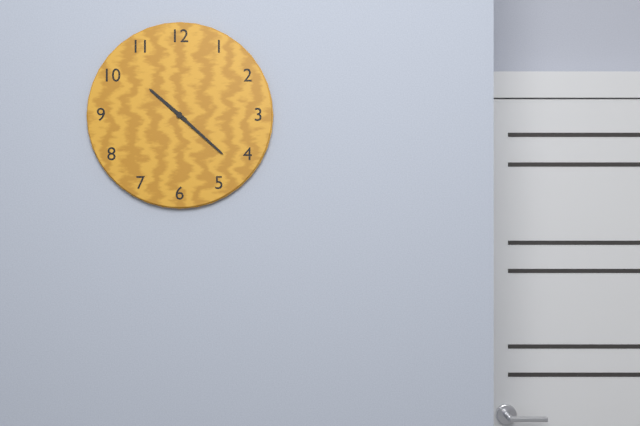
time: 10.22
